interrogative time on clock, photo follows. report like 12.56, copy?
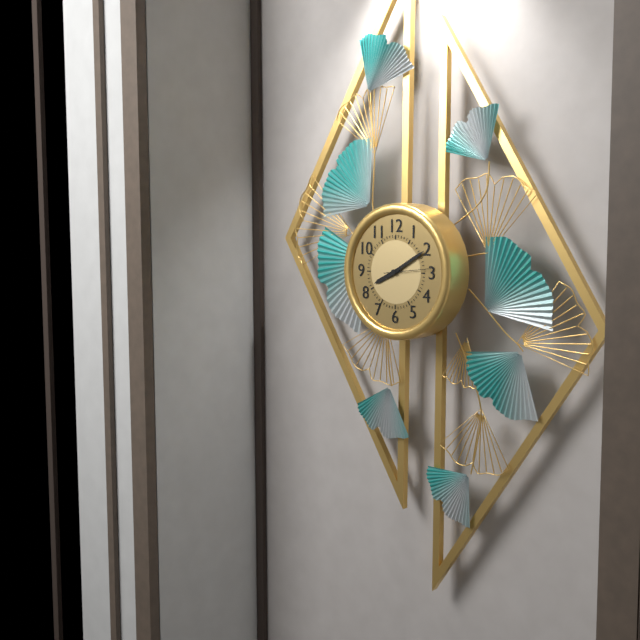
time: 8.10
